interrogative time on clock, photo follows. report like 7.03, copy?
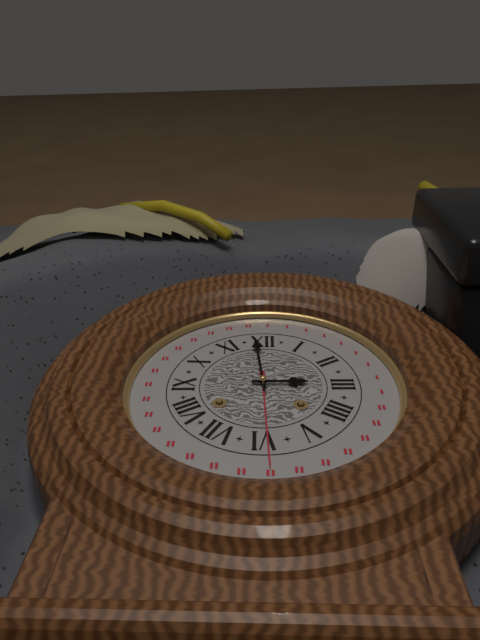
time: 2.59
